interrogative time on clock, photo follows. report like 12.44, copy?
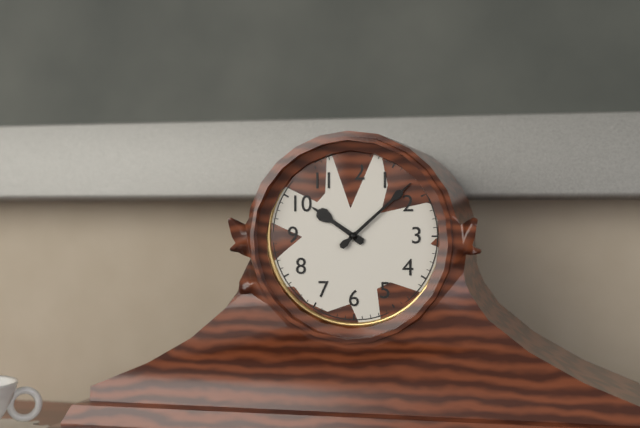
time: 10.08
